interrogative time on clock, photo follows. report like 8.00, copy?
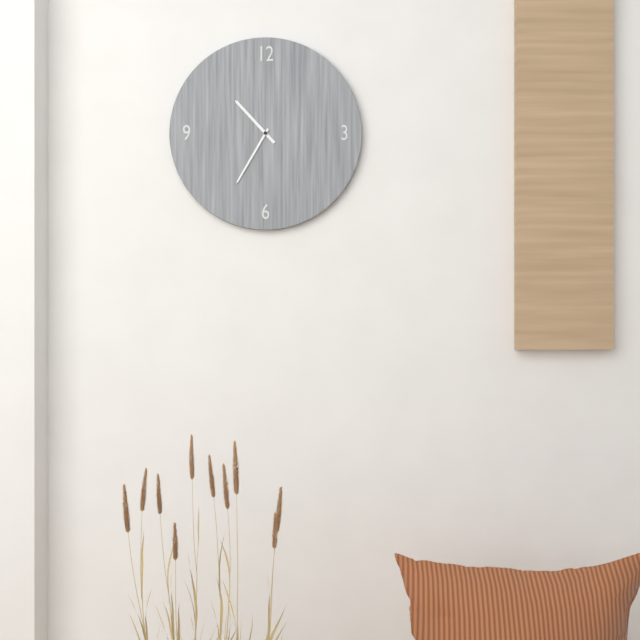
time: 10.35
